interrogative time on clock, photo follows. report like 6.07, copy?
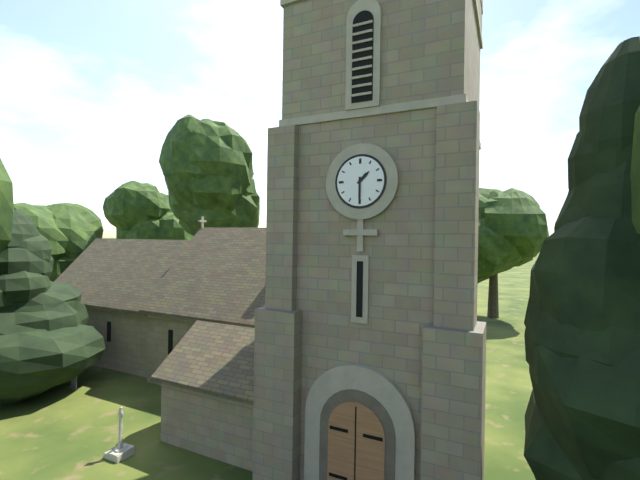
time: 1.30
